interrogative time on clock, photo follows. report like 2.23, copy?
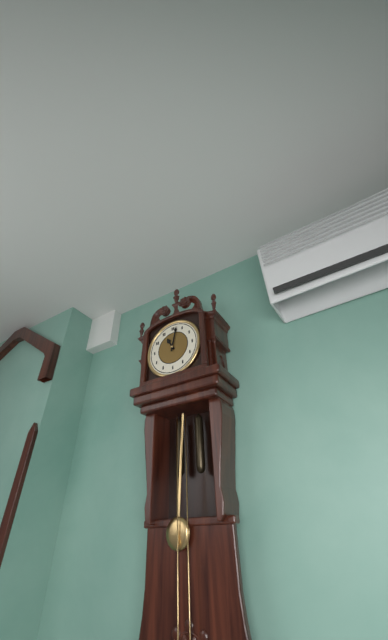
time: 11.02
